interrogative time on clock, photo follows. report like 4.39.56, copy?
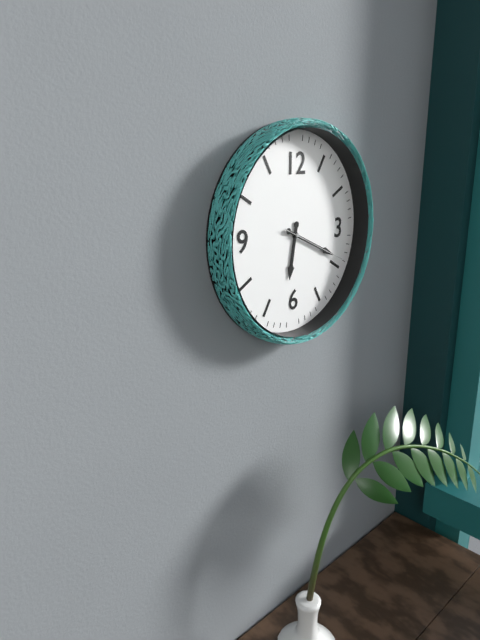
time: 6.19.19
